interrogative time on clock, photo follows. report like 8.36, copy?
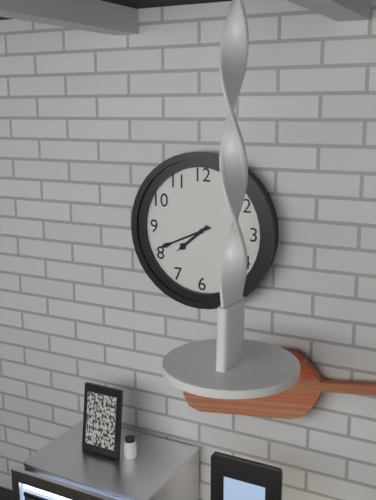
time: 7.41
